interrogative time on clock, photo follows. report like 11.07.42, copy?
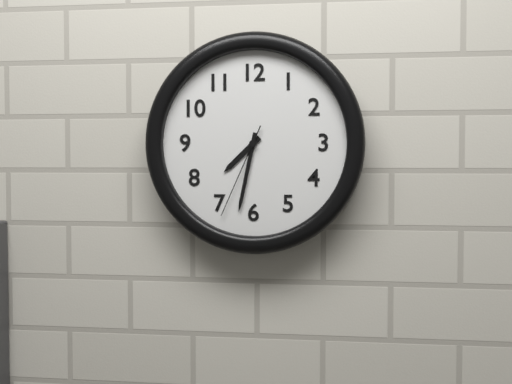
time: 7.32.34
